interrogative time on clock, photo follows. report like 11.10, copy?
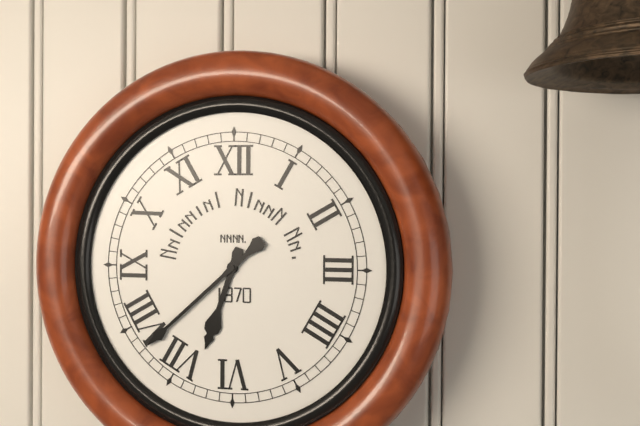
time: 6.38
